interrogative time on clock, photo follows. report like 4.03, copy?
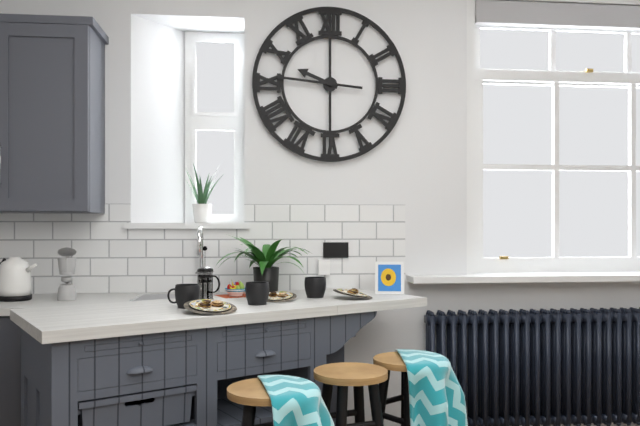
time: 9.46
